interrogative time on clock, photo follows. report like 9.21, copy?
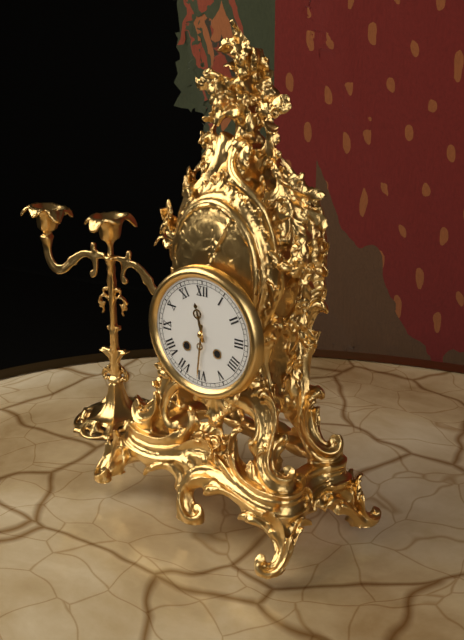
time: 11.31
